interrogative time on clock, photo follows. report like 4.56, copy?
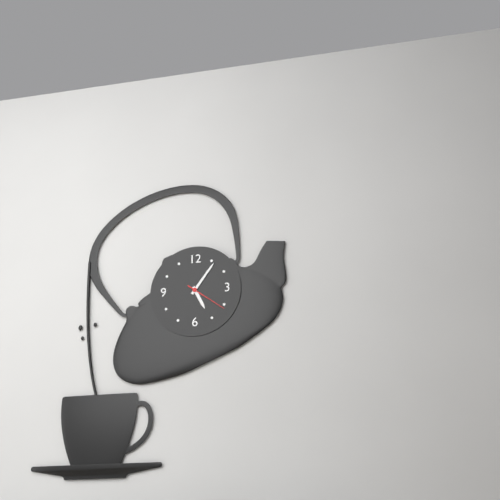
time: 5.06
